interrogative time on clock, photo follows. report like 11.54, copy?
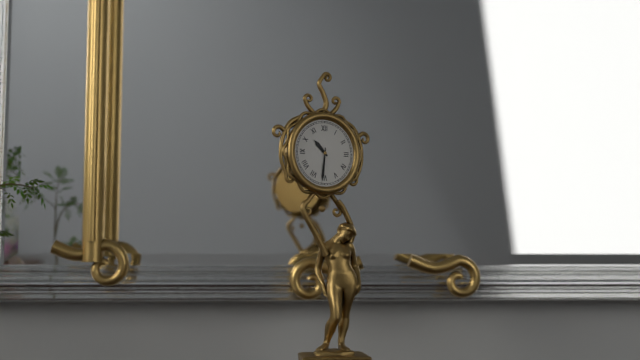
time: 10.31
